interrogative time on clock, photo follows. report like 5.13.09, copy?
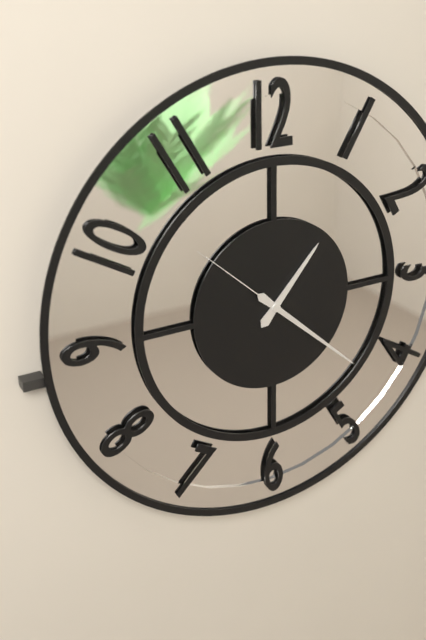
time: 1.22.52
